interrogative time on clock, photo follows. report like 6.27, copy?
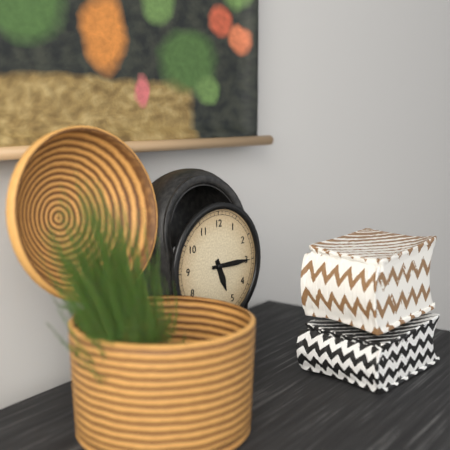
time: 5.15
